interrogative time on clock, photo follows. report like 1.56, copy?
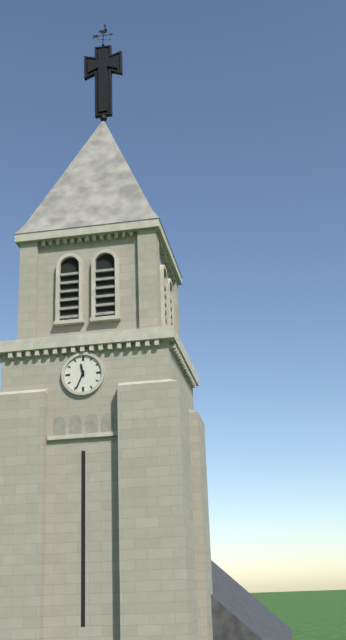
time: 11.34
